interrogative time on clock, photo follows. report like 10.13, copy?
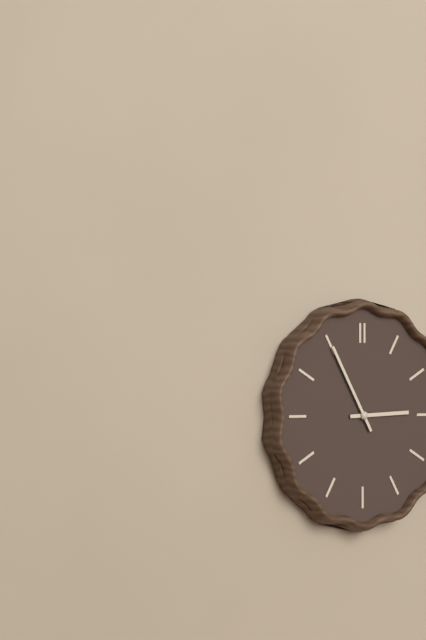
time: 2.55
